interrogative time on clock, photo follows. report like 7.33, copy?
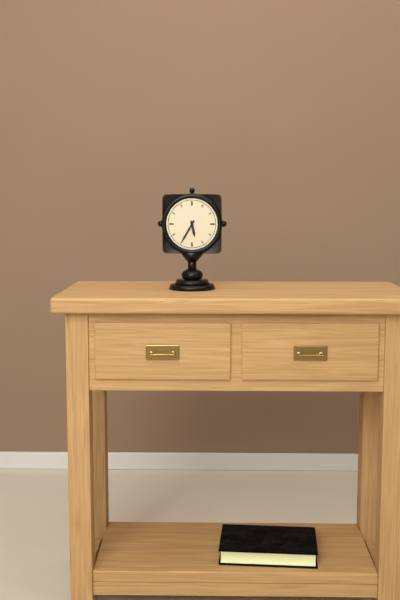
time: 5.35
